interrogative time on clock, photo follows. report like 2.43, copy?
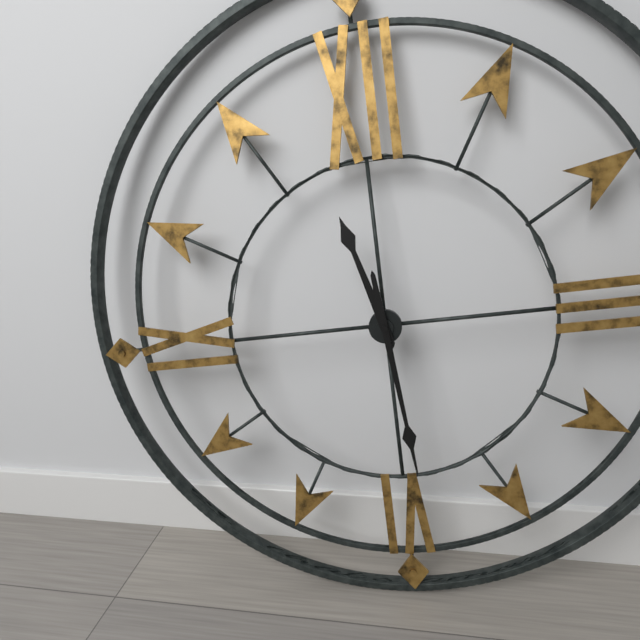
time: 11.29
